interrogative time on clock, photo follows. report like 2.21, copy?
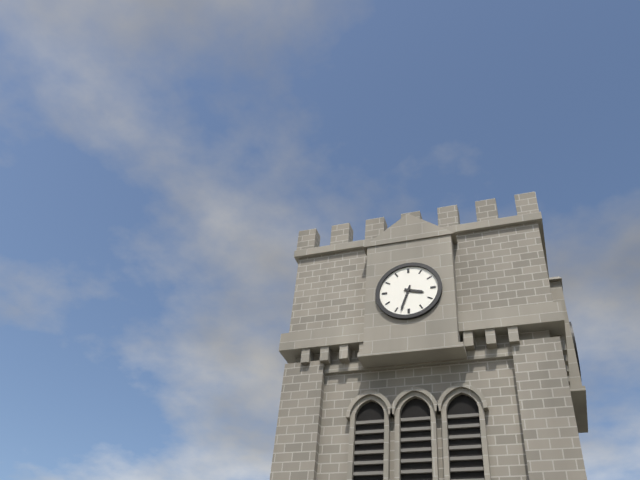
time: 3.33
